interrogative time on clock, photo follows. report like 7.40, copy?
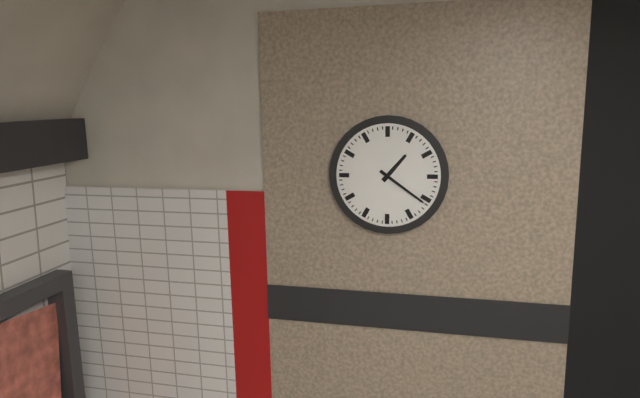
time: 1.21
